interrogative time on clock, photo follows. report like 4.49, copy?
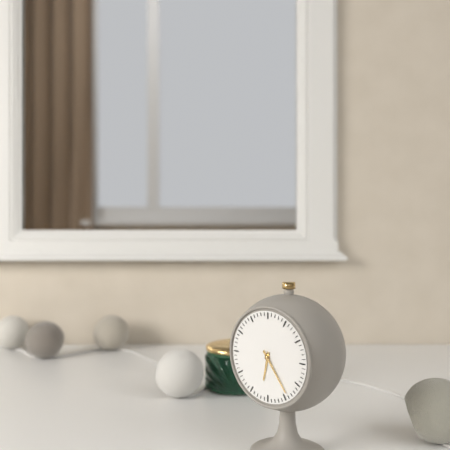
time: 6.24
